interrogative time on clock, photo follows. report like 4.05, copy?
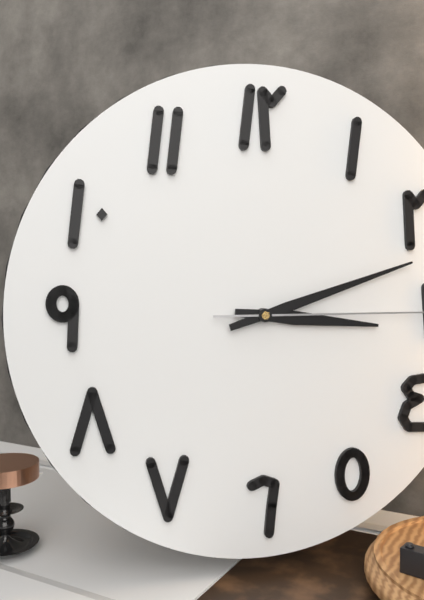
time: 3.12
